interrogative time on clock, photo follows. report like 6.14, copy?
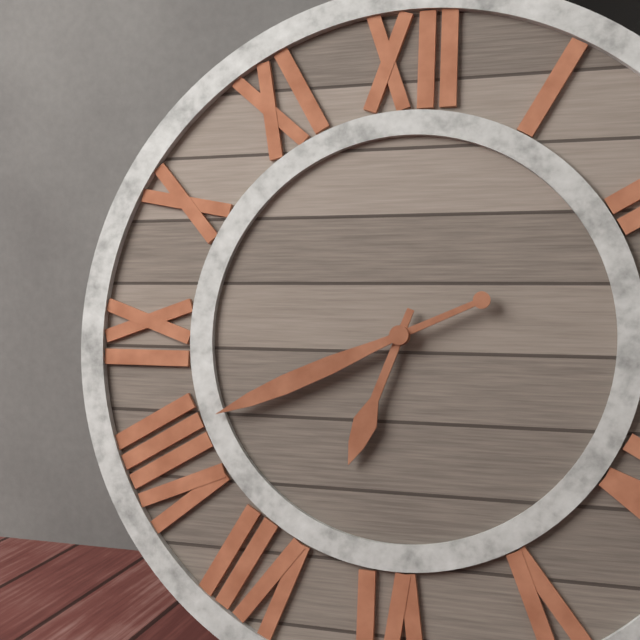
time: 6.41
